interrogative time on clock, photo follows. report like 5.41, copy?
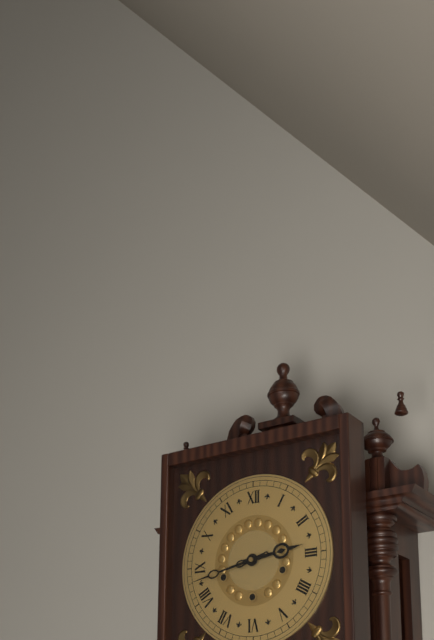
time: 2.43
